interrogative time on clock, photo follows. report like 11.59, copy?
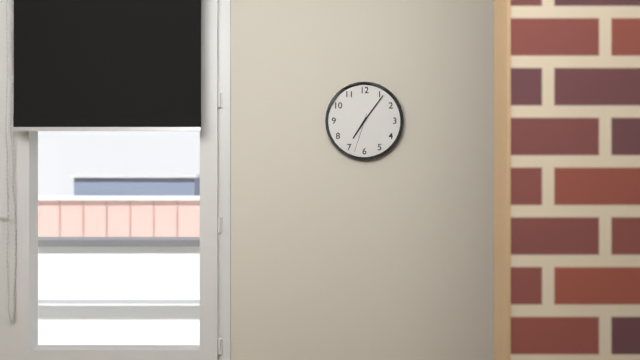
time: 7.06
